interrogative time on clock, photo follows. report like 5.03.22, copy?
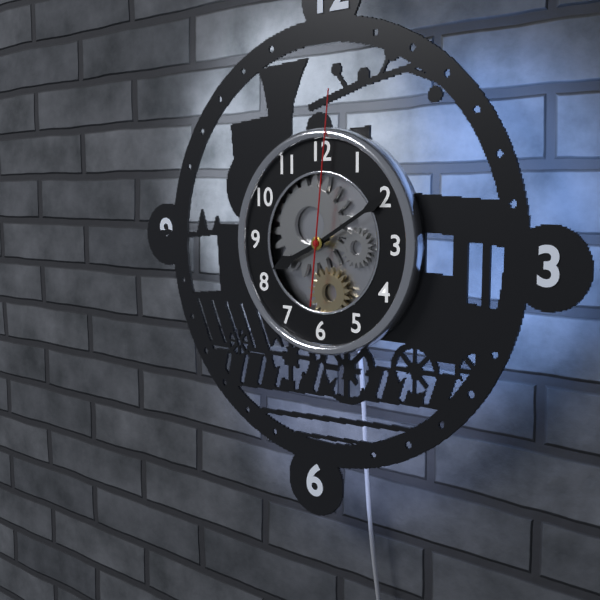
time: 8.10.01
